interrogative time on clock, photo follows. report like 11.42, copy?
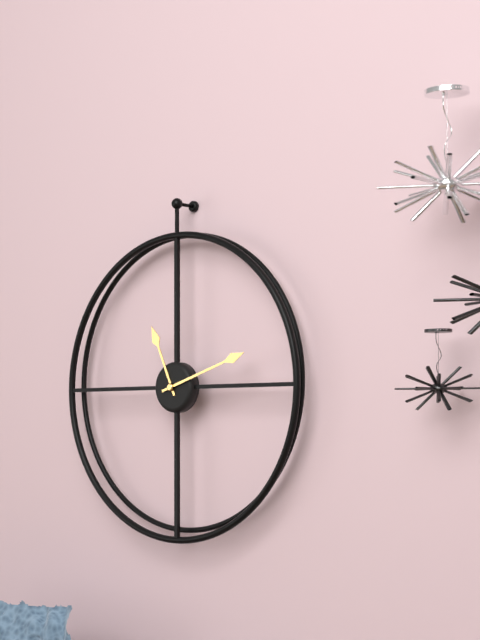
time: 11.12
